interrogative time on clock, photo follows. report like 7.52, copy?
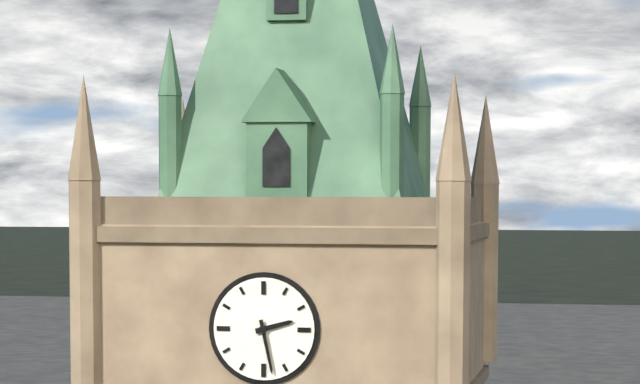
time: 2.28
